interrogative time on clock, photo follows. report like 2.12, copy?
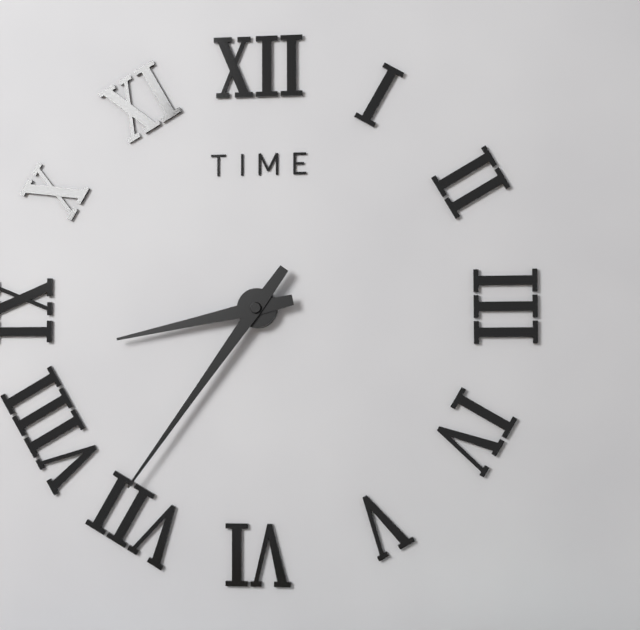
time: 8.36
